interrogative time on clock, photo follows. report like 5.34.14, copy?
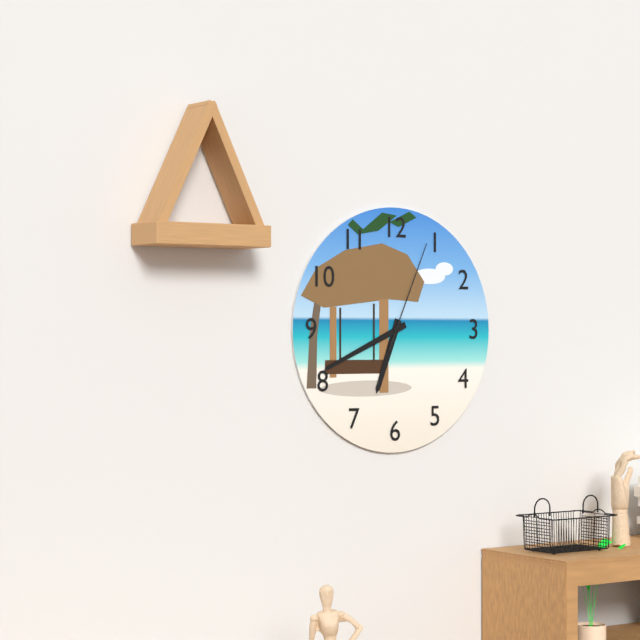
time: 6.41.04
